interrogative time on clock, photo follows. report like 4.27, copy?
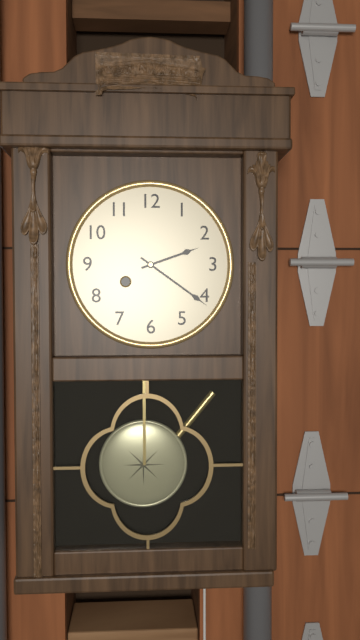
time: 2.21
